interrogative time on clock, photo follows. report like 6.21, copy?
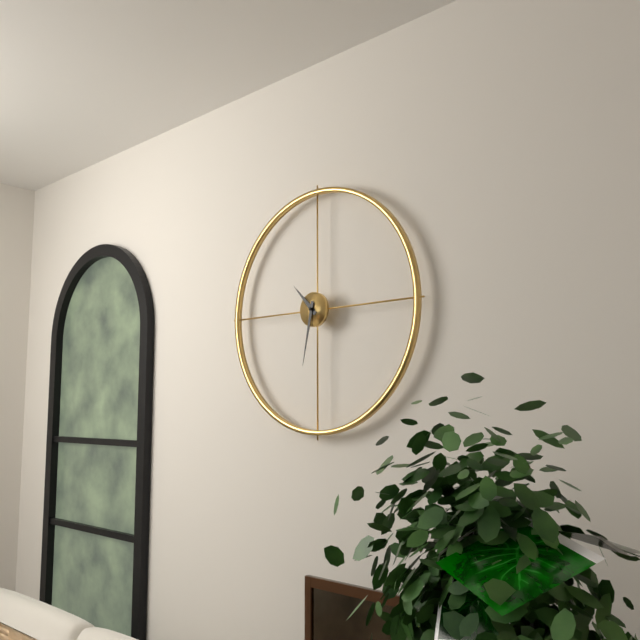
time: 10.32
